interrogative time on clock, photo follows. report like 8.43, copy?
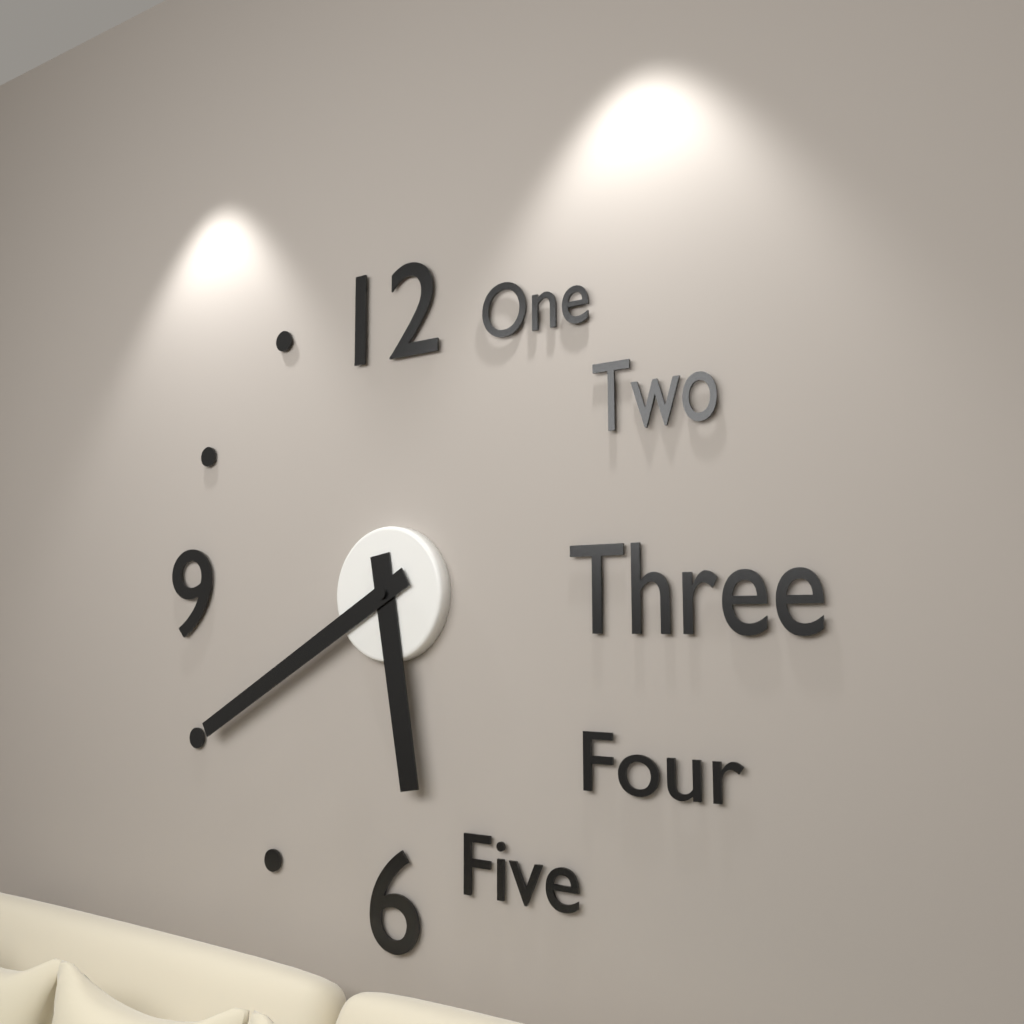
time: 5.40
